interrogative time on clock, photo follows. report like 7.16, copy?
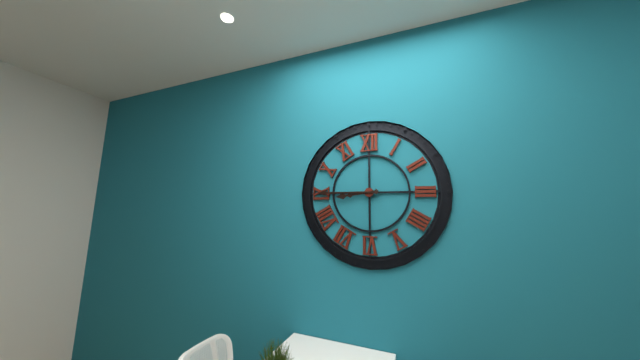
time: 8.45
